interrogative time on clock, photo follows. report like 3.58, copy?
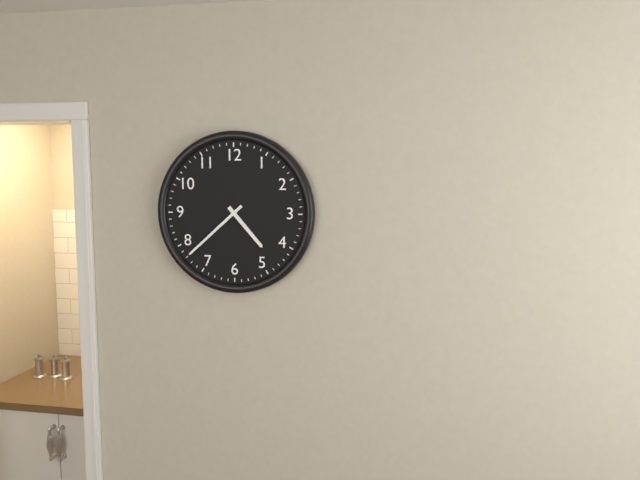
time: 4.38
